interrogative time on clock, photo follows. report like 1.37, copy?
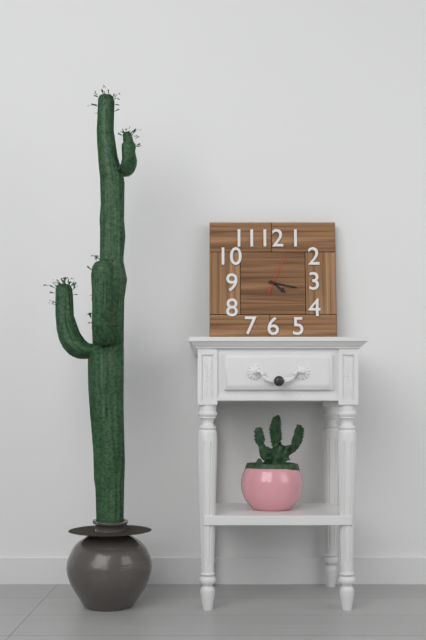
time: 4.17
